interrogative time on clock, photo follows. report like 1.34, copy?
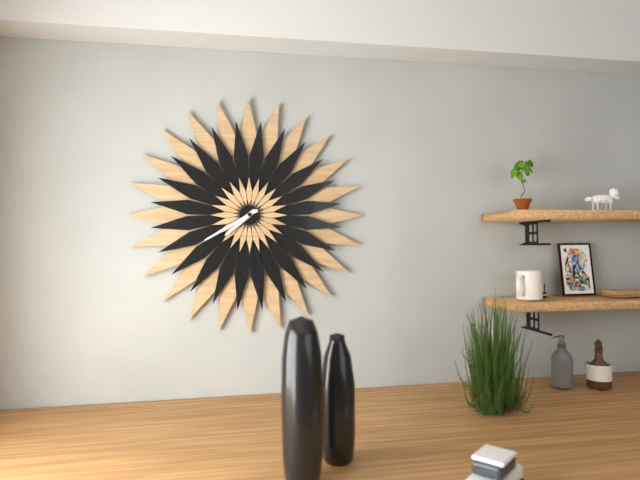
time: 7.40
